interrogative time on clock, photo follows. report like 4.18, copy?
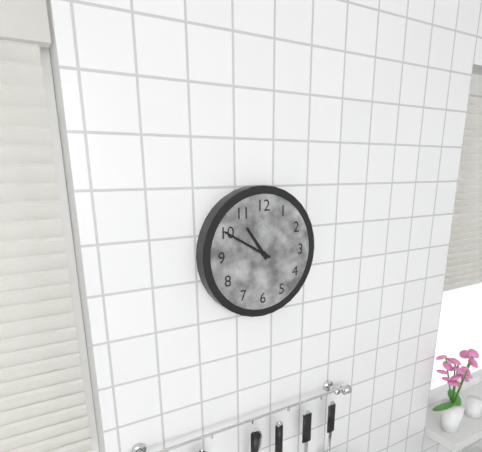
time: 10.50
